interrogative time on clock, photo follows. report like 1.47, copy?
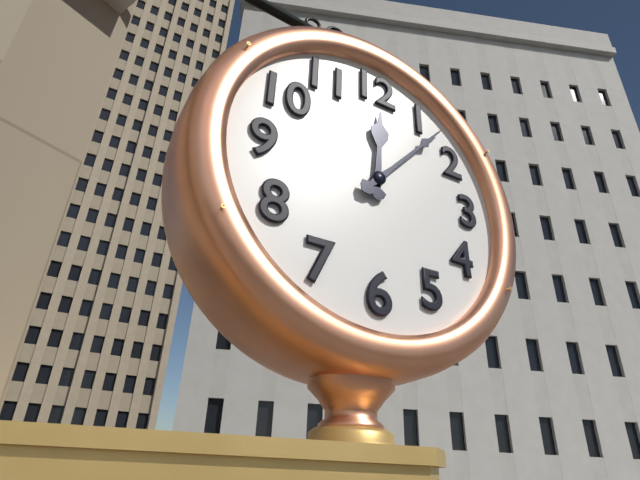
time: 12.07
